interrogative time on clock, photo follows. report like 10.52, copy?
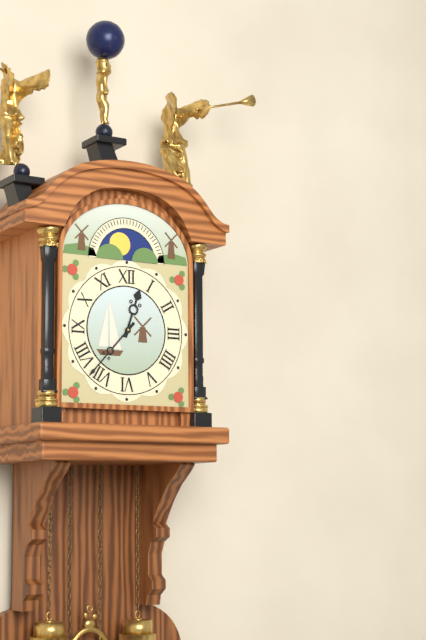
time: 12.37
